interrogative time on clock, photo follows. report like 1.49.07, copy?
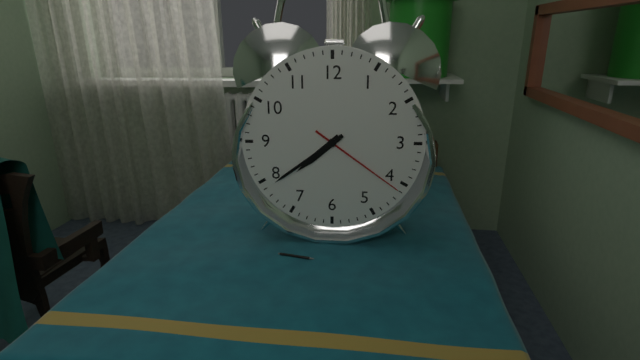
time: 7.39.21
